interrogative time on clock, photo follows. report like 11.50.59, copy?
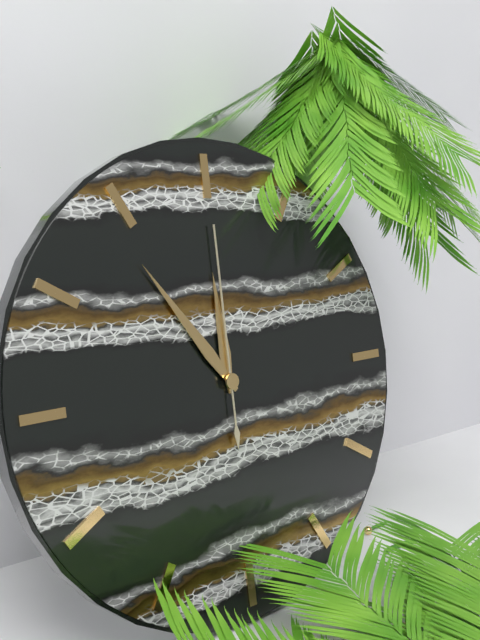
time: 11.54.00
